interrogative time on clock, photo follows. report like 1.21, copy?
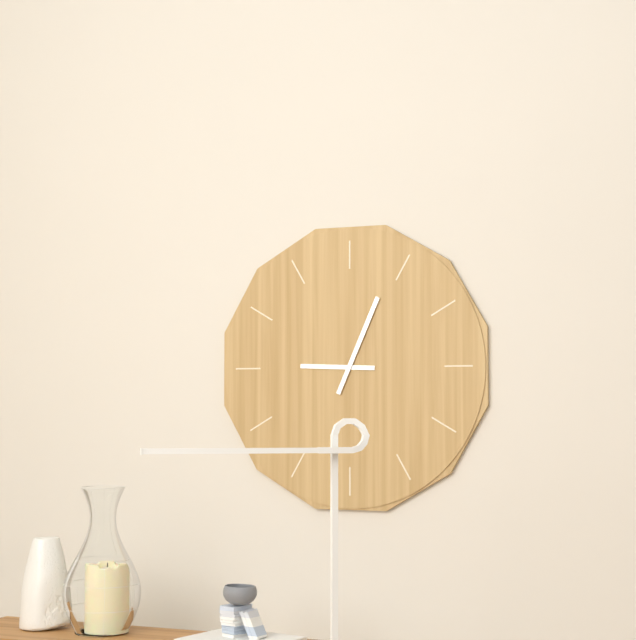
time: 9.04
